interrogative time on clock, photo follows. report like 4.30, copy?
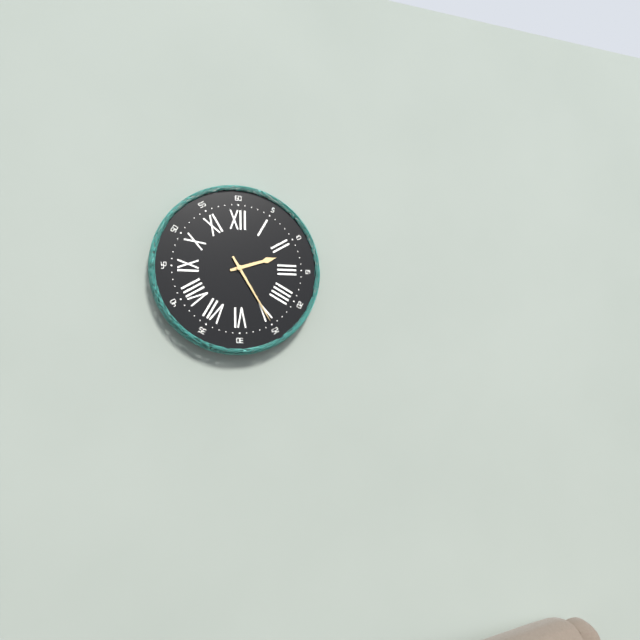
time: 2.25
